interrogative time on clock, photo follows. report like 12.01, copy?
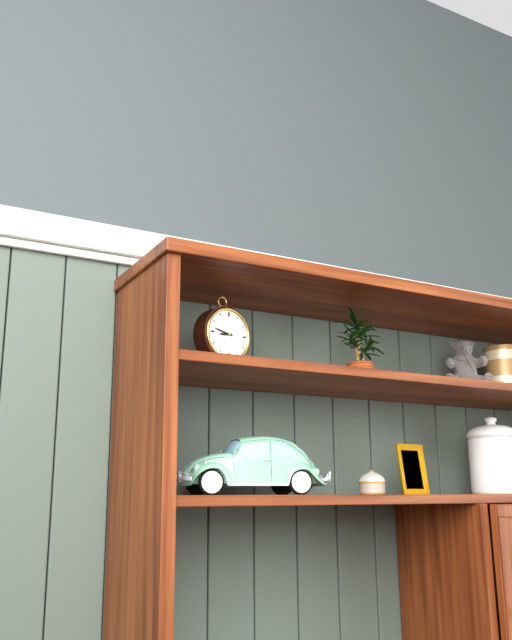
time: 8.47
